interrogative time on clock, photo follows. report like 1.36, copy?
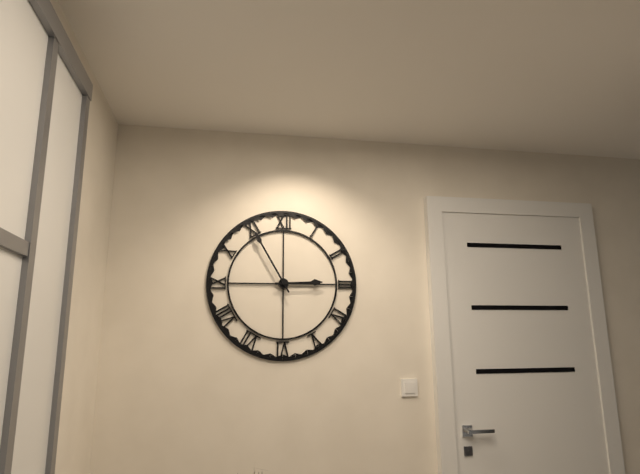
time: 2.55
